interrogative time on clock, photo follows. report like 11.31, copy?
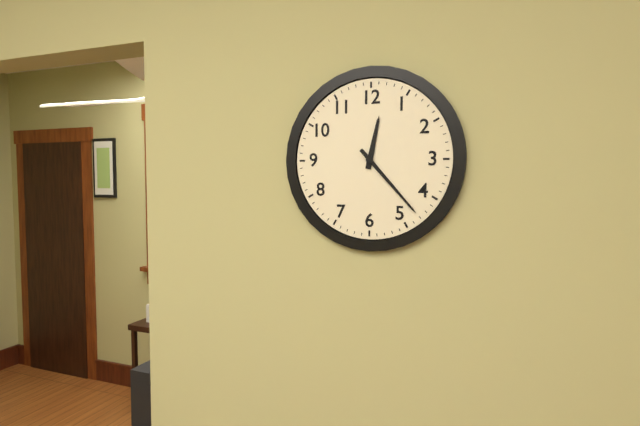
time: 12.23
